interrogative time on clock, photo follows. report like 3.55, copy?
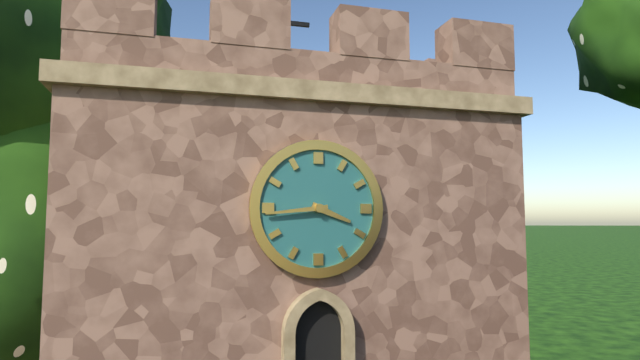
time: 3.44
